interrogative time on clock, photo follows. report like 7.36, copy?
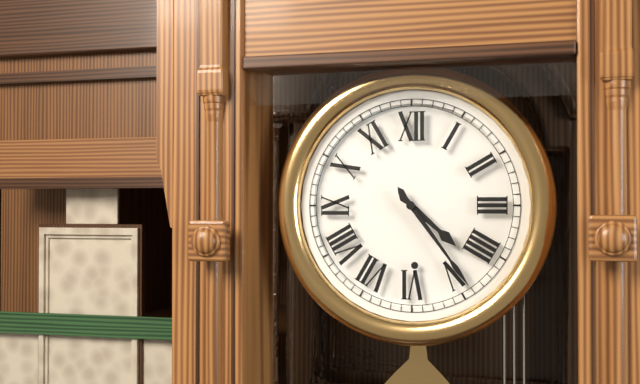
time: 4.24
